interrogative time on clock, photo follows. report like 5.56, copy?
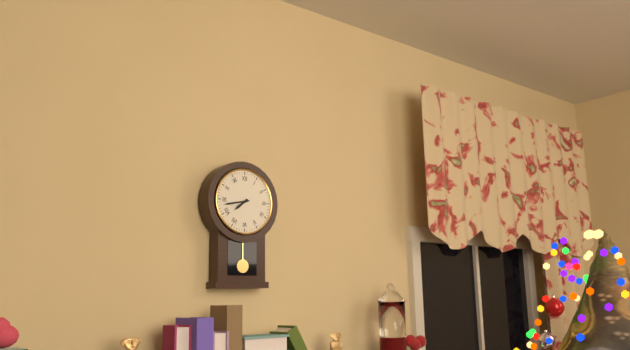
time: 7.43
